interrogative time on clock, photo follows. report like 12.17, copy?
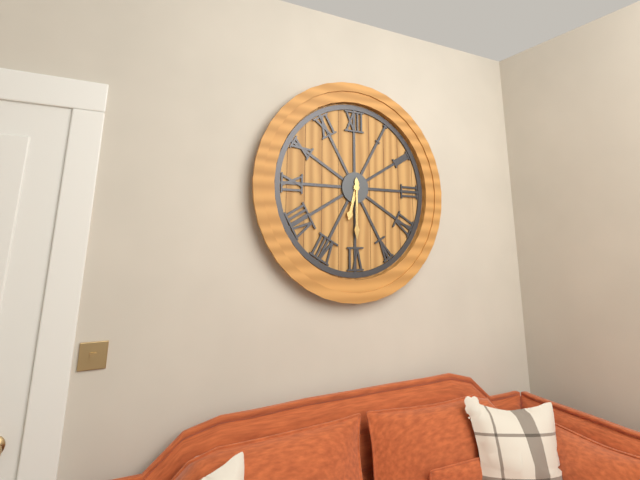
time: 6.30
